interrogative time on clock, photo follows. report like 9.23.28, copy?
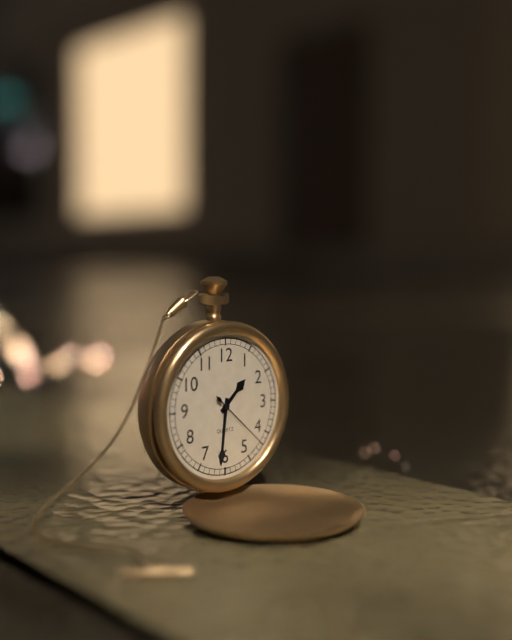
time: 1.31.22
